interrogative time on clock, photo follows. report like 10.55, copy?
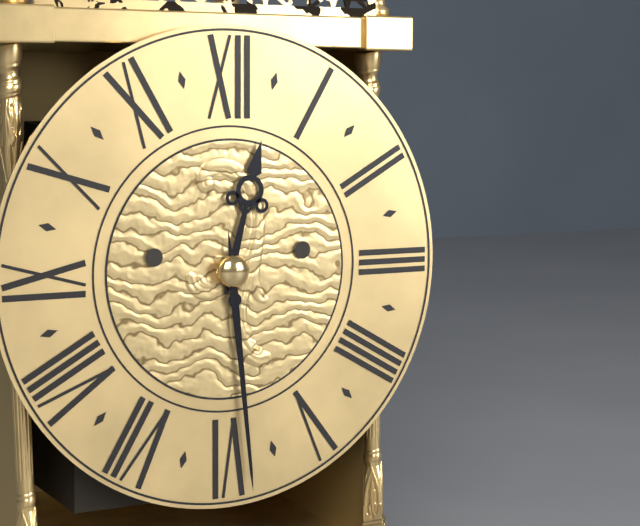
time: 12.29
